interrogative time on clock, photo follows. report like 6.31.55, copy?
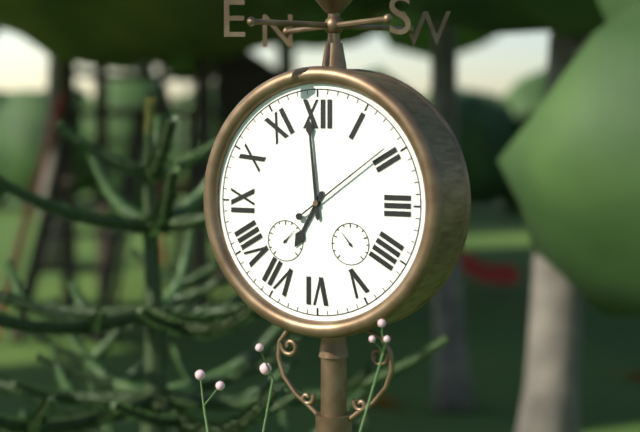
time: 6.59.09
